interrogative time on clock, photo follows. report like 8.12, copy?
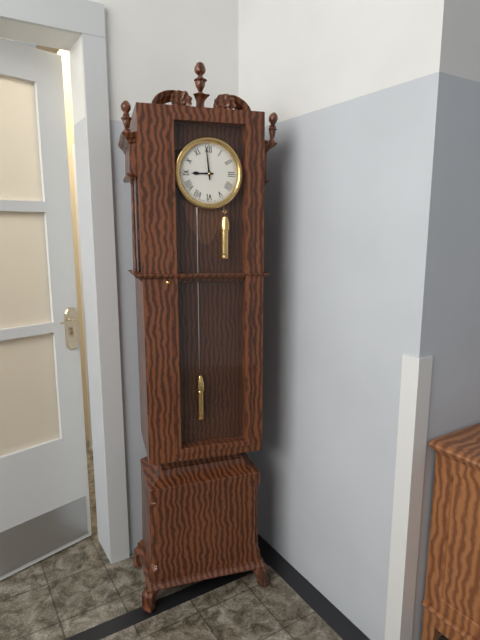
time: 8.59
